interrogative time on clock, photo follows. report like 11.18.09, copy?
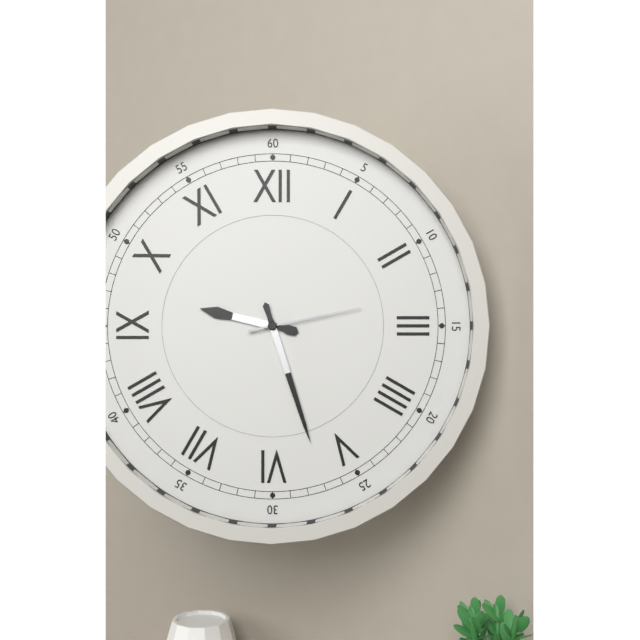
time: 9.27.13
